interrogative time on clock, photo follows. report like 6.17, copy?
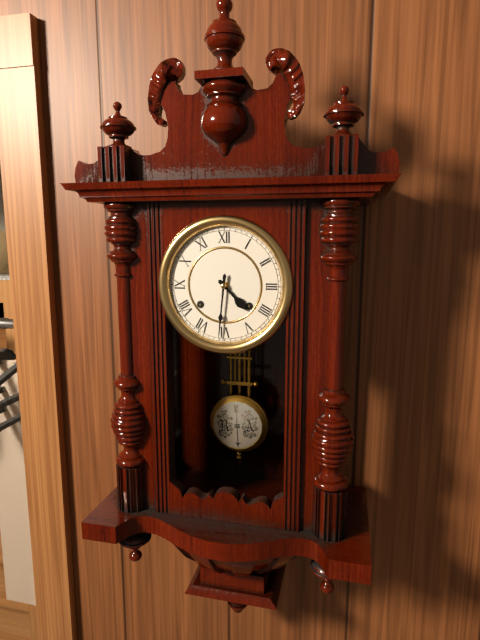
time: 4.31
